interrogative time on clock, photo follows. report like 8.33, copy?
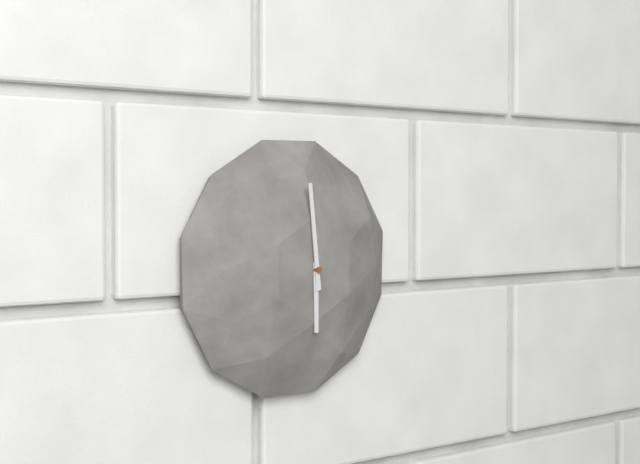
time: 5.59
